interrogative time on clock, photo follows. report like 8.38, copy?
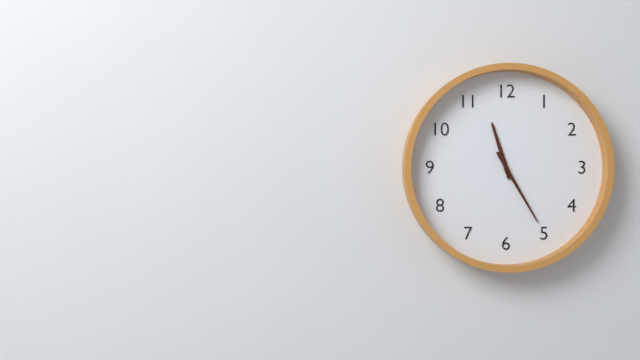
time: 11.25
